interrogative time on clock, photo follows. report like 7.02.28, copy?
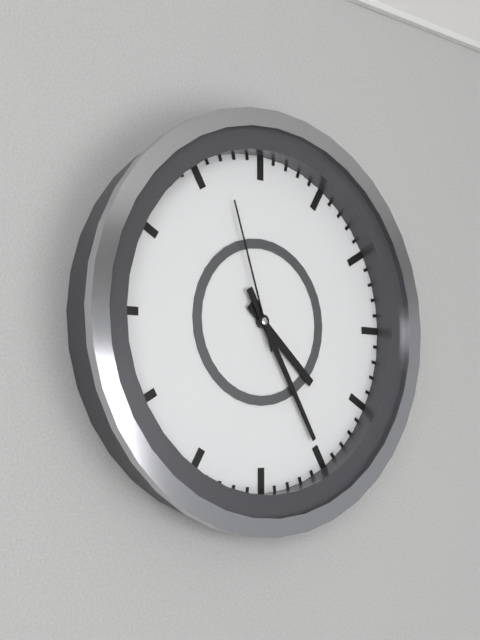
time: 4.25.57
